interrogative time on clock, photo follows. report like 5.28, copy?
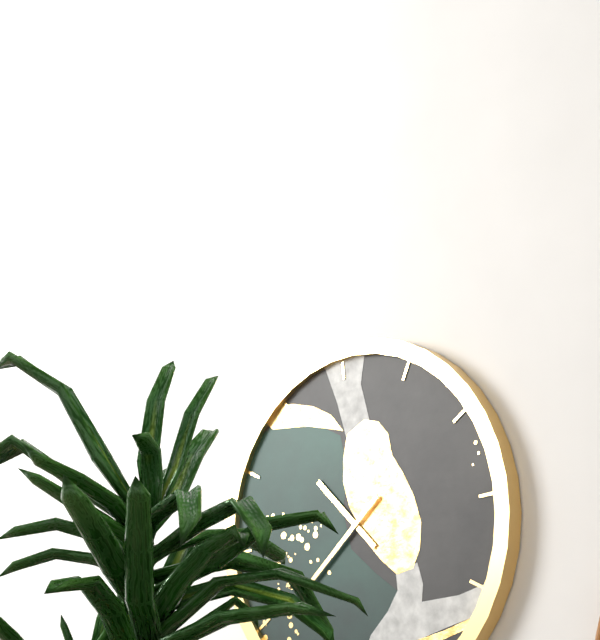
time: 10.39
